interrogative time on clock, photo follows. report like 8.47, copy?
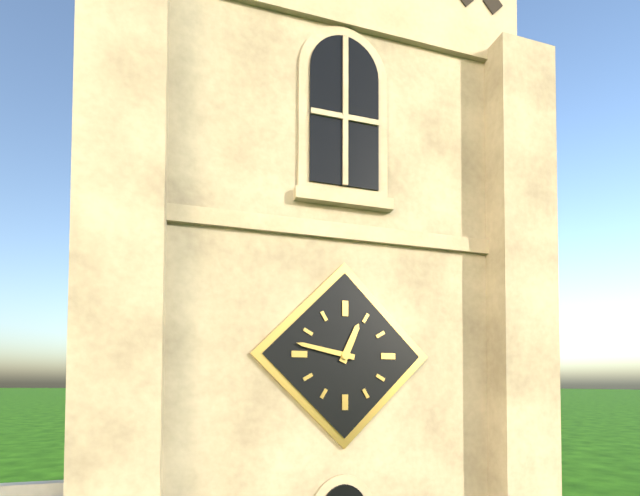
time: 12.47
